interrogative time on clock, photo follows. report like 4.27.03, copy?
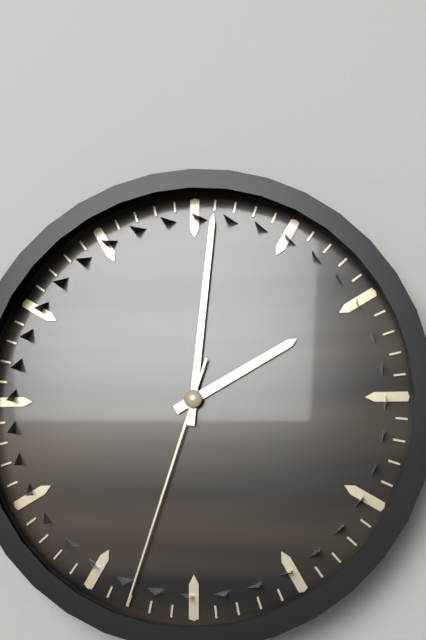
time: 2.01.33
